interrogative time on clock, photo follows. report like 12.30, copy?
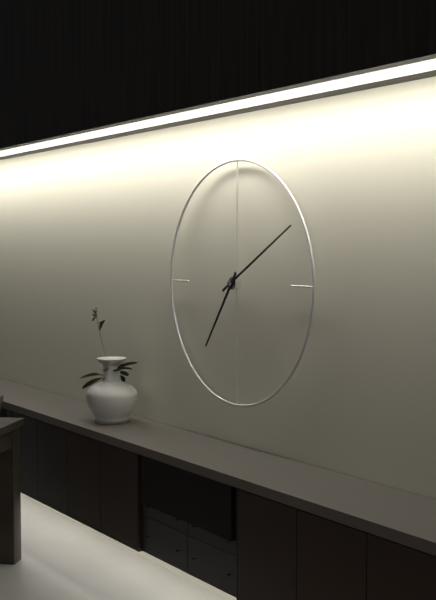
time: 7.10
